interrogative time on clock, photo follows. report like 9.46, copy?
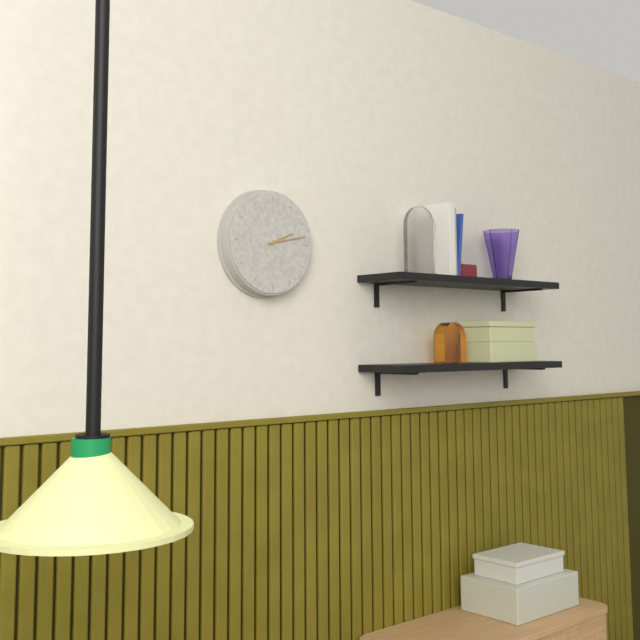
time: 2.13
